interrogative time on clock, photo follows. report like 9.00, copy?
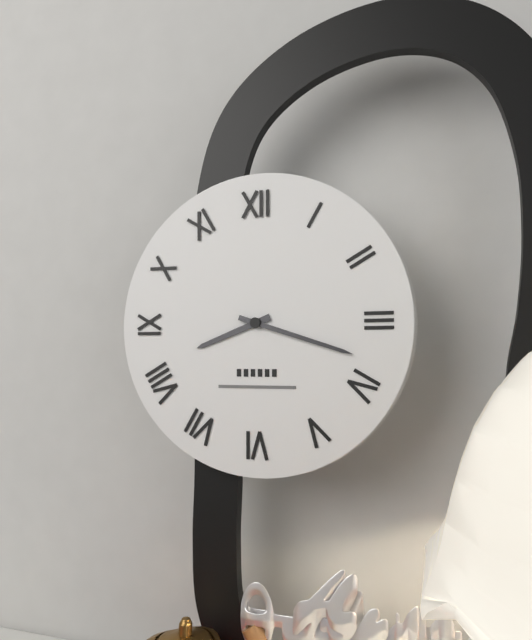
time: 8.18
